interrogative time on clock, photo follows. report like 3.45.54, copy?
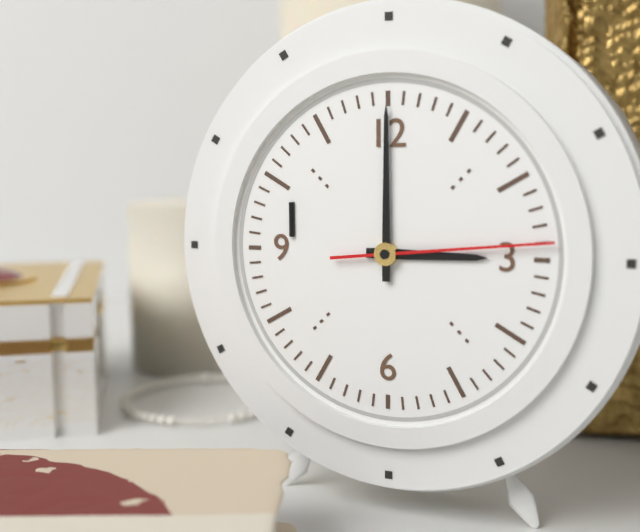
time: 3.00.14
